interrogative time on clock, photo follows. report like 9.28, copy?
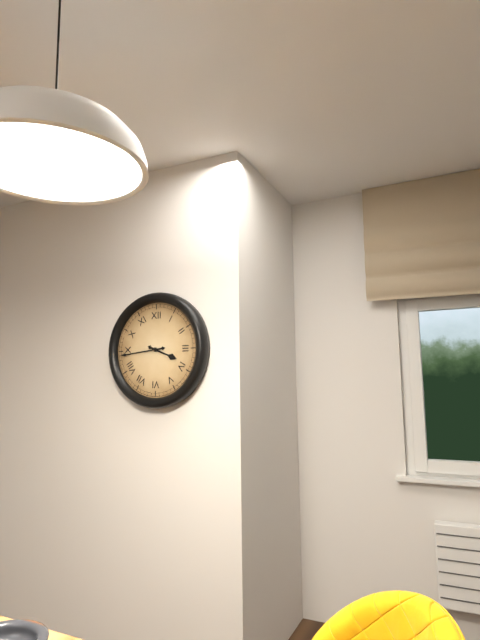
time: 3.44
